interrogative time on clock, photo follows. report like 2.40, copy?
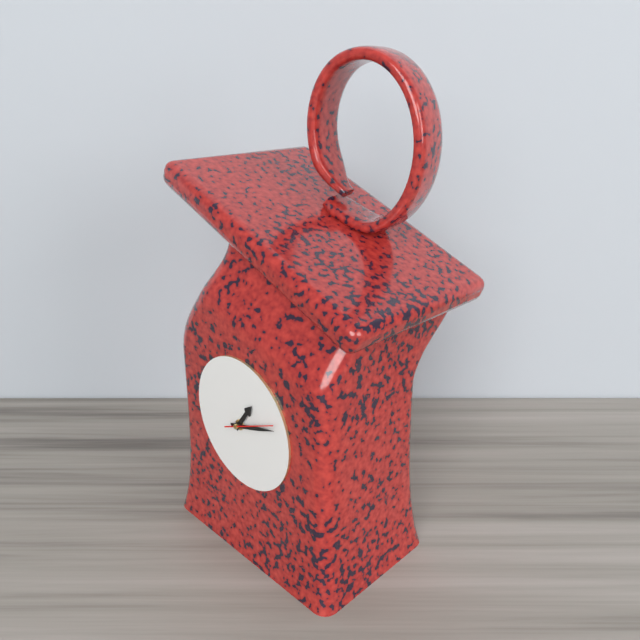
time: 1.12
